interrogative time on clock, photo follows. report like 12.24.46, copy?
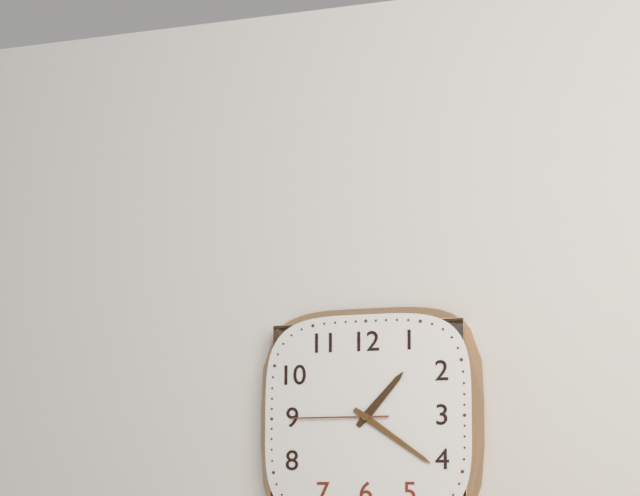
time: 1.21.45
